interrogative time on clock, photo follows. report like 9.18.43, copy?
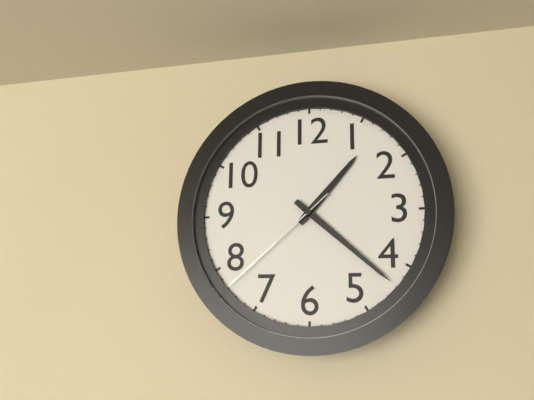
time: 1.22.38
